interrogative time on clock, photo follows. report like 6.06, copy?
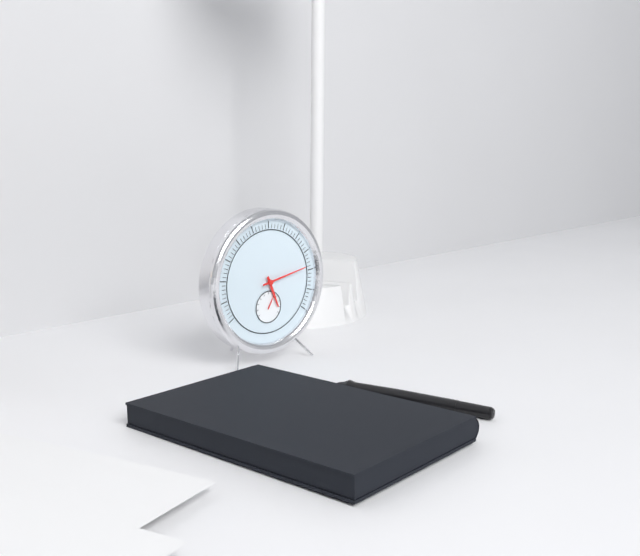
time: 5.13
